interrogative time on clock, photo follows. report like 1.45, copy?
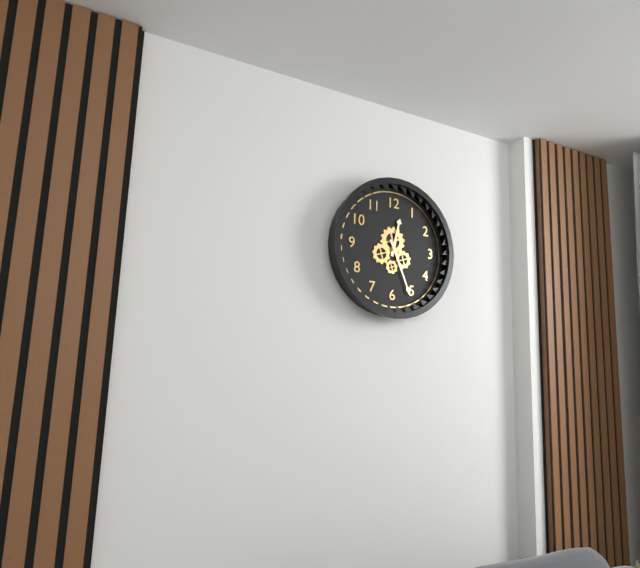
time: 12.26
